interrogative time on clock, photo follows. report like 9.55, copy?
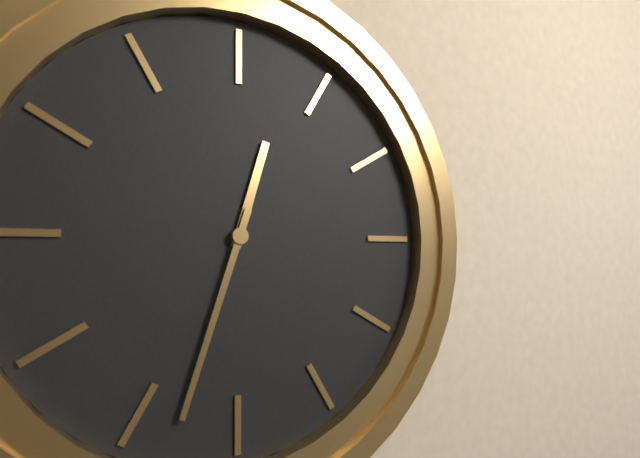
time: 12.33
